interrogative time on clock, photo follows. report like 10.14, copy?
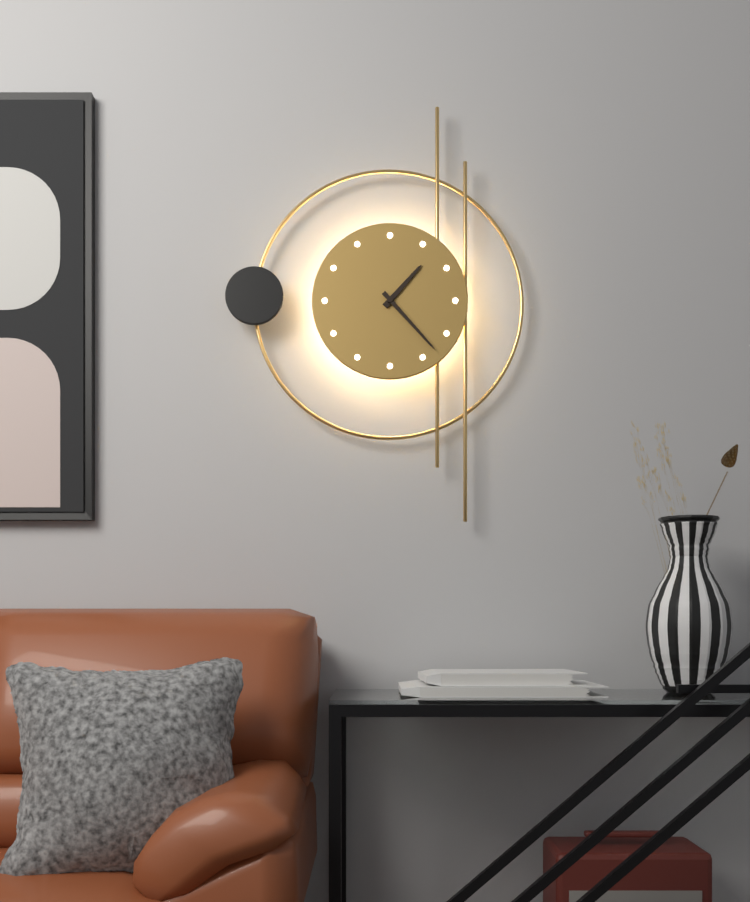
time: 1.23
